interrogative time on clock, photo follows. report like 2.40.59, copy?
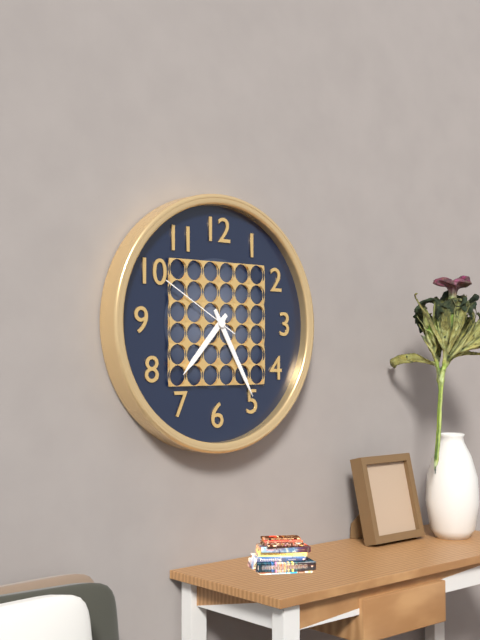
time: 7.25.50
